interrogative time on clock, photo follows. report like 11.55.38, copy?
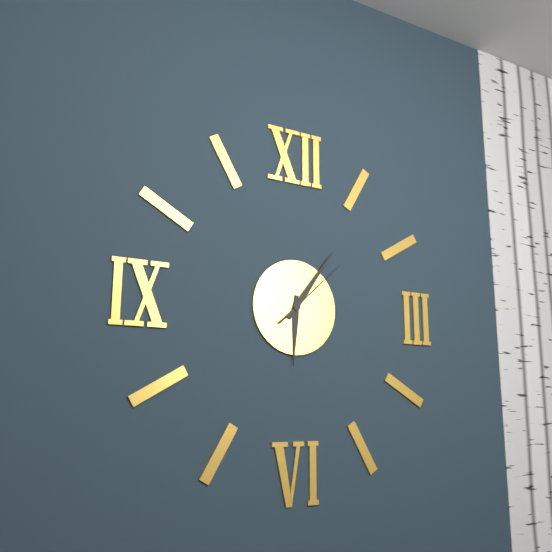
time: 6.06.08
